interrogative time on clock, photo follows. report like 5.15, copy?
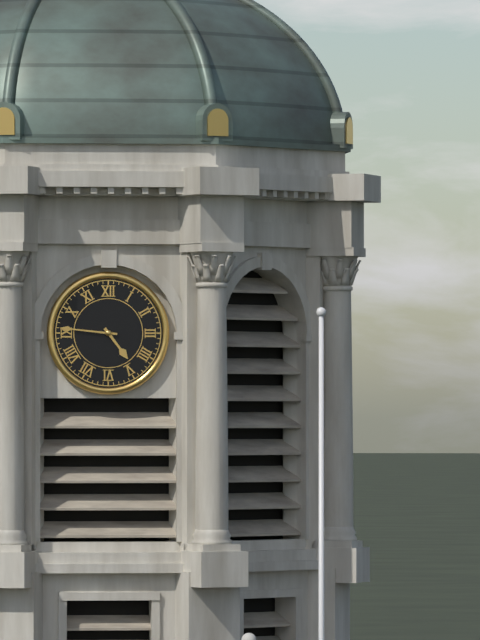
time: 4.46
